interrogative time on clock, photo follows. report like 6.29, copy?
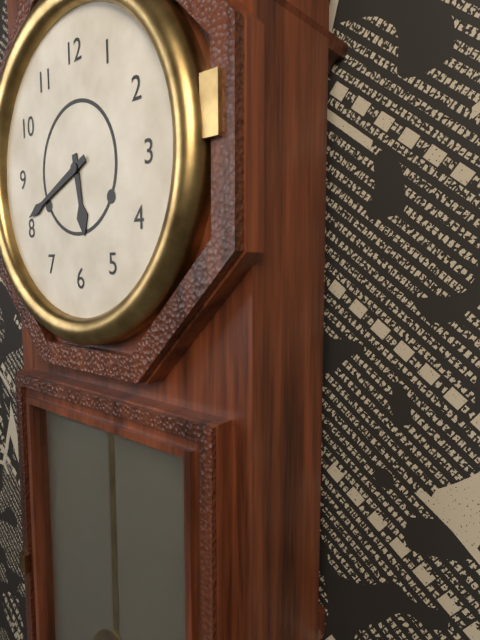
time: 5.41
